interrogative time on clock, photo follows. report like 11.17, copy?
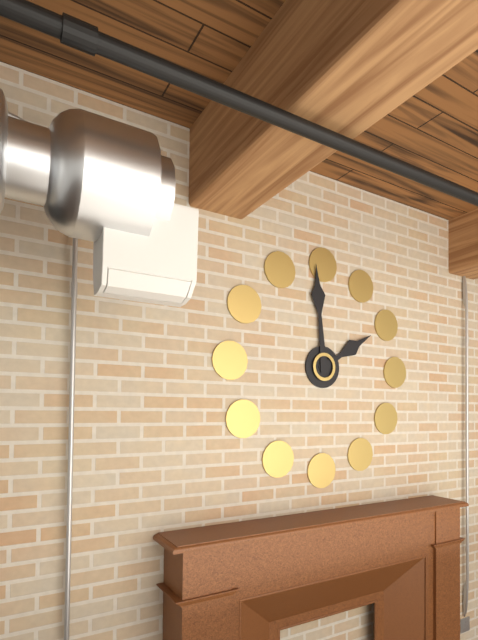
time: 1.59
